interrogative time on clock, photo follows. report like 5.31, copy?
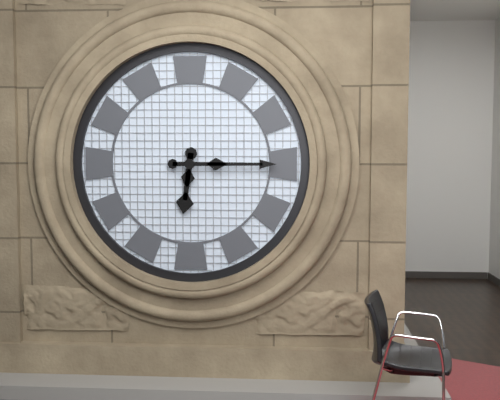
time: 6.15
